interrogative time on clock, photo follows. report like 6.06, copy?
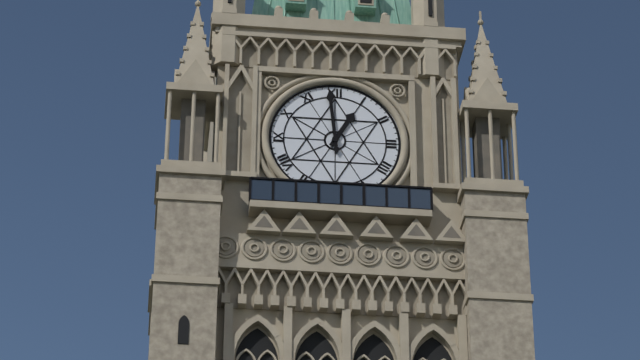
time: 12.59
